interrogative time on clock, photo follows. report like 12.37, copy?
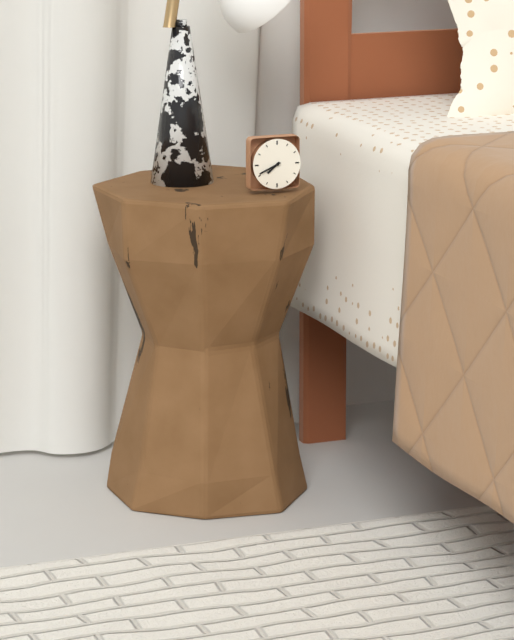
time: 7.41
